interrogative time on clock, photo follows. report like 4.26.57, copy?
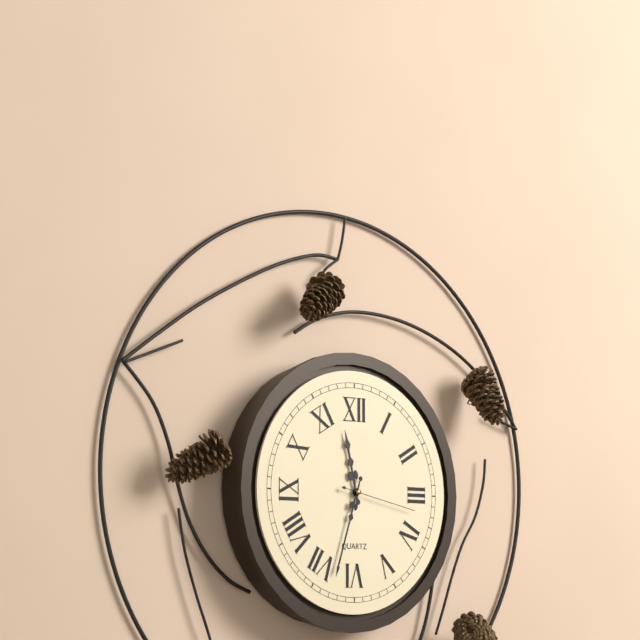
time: 11.33.17
